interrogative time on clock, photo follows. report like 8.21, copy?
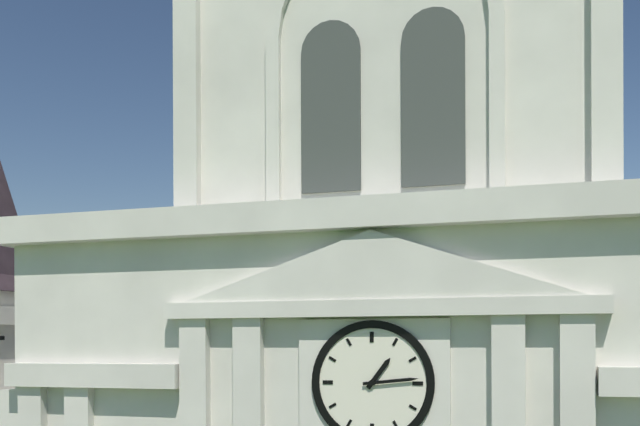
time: 1.14
